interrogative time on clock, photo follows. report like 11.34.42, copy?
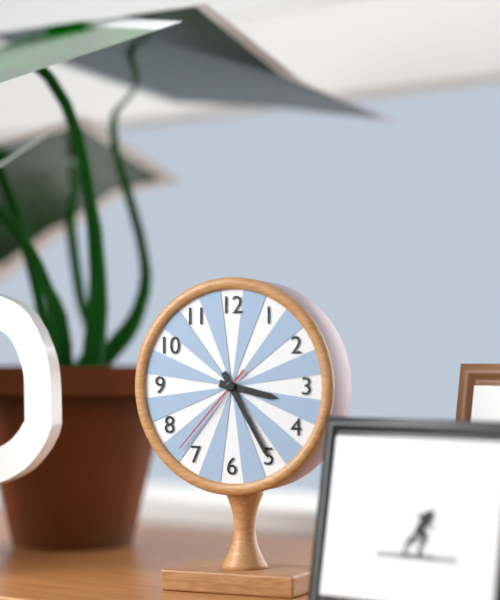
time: 3.25.37
